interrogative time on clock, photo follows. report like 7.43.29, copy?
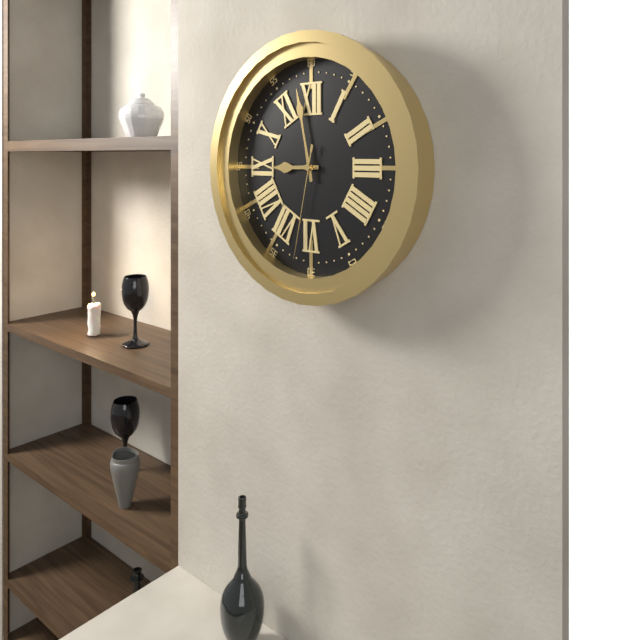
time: 8.58.32
